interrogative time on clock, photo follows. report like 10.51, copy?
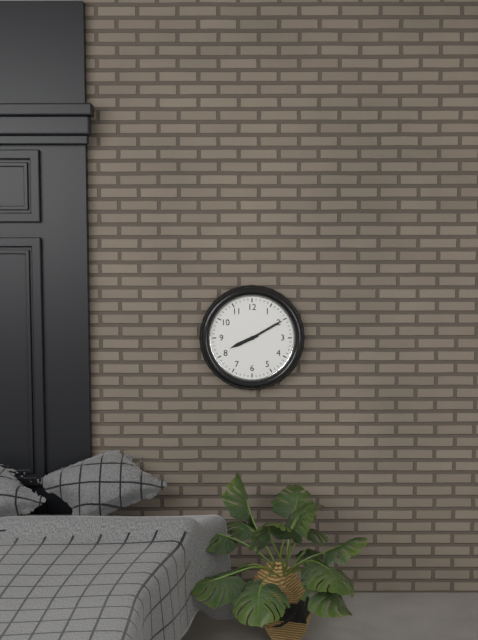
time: 8.10
